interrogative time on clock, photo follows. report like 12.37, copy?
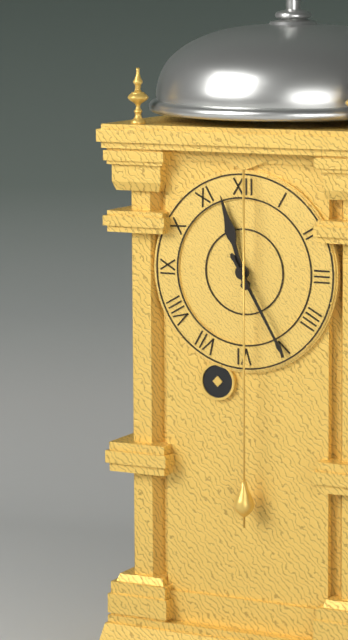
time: 11.25
